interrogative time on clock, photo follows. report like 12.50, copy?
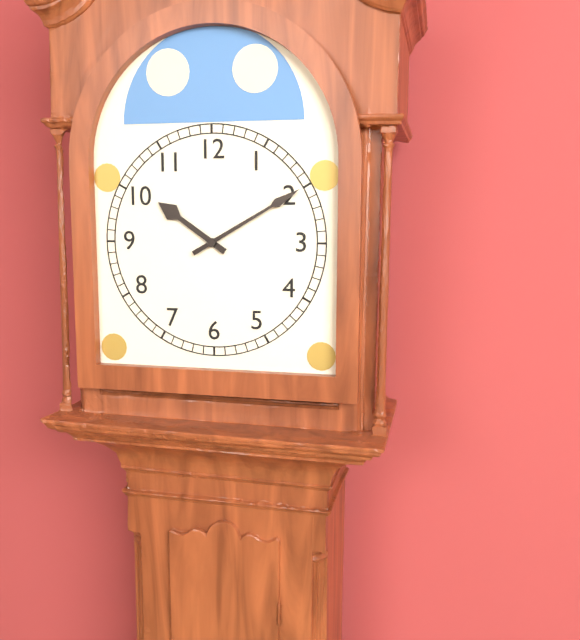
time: 10.10
